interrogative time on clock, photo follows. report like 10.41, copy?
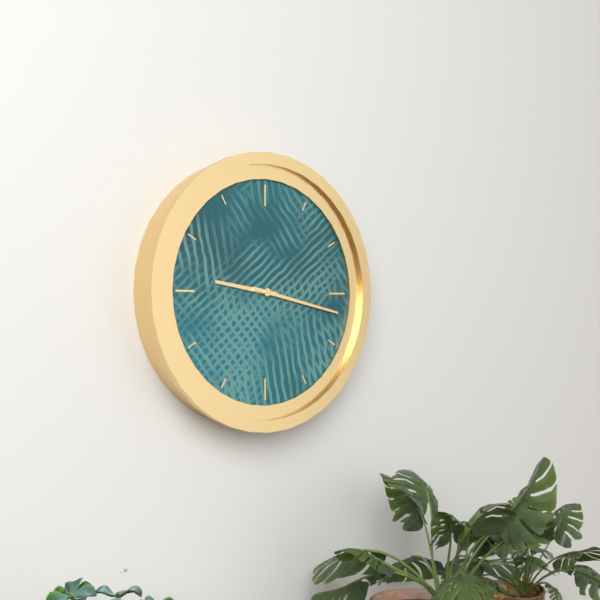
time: 9.17
